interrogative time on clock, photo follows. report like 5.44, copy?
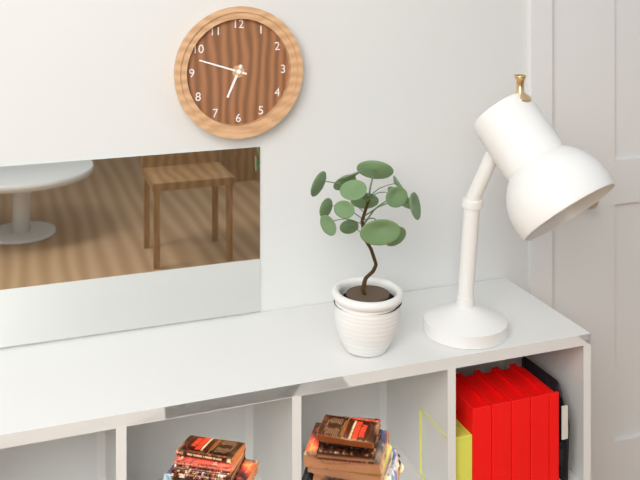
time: 6.48
